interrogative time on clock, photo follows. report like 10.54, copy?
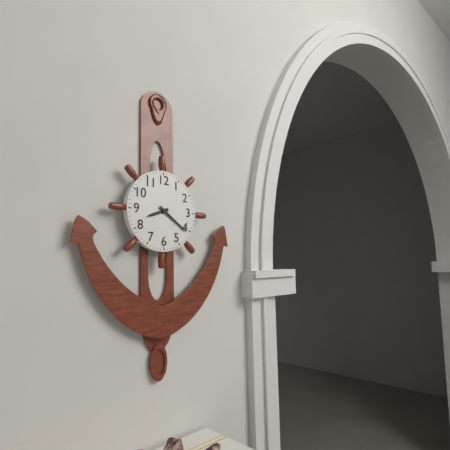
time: 8.21
